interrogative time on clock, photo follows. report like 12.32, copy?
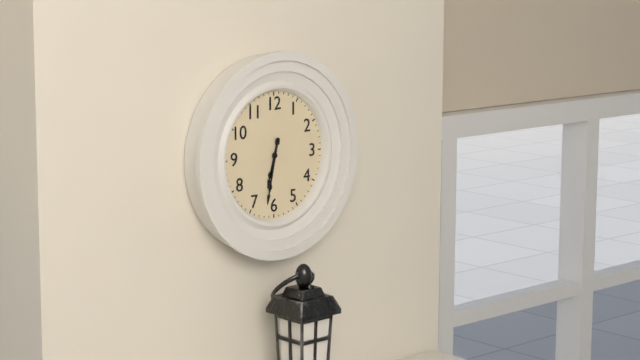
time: 6.32
